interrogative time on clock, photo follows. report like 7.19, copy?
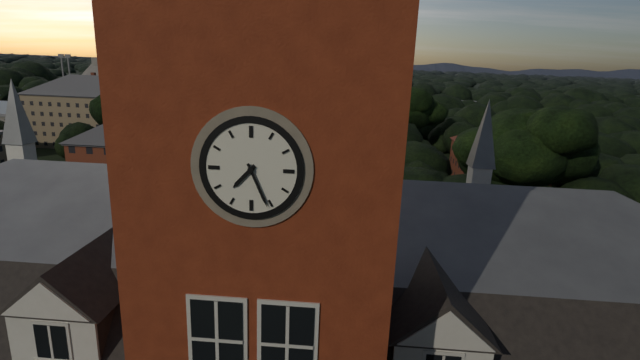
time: 7.26
